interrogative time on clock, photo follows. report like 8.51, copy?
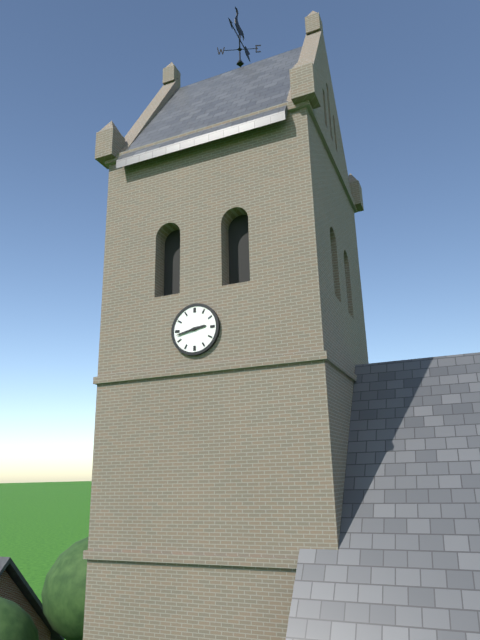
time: 2.43
